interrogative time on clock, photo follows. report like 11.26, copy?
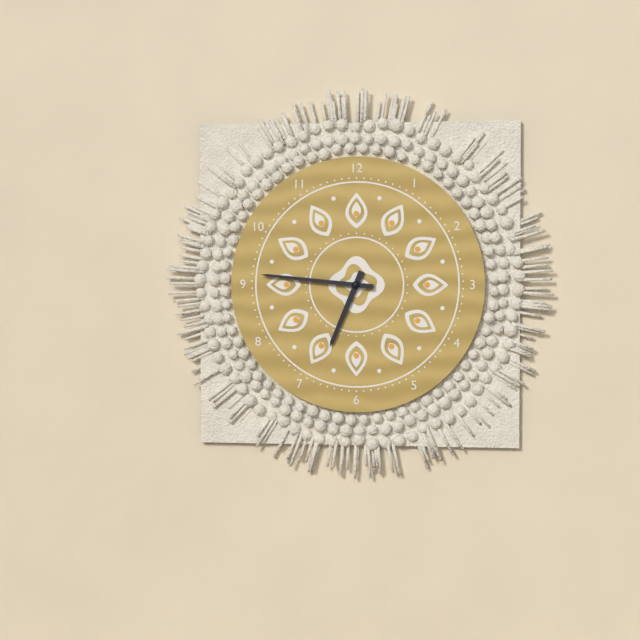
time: 6.46
